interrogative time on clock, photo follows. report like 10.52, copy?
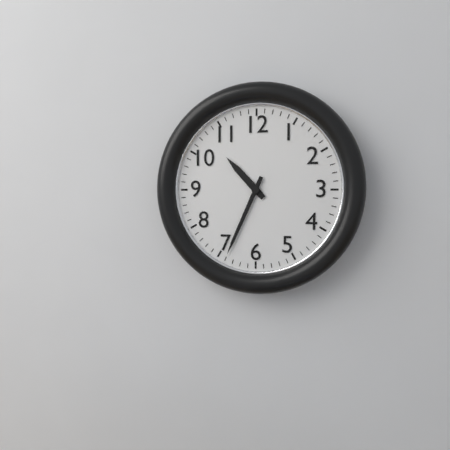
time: 10.34
